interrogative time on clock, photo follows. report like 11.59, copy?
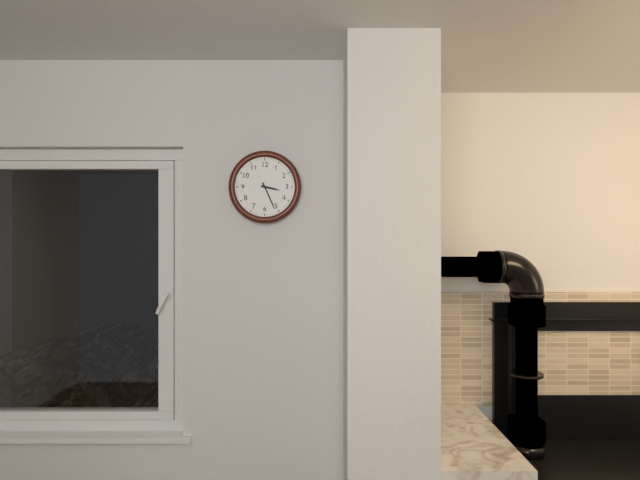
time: 3.26
